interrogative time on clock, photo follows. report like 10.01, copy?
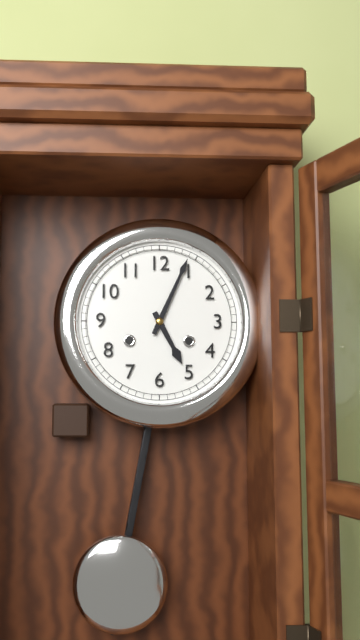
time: 5.04
